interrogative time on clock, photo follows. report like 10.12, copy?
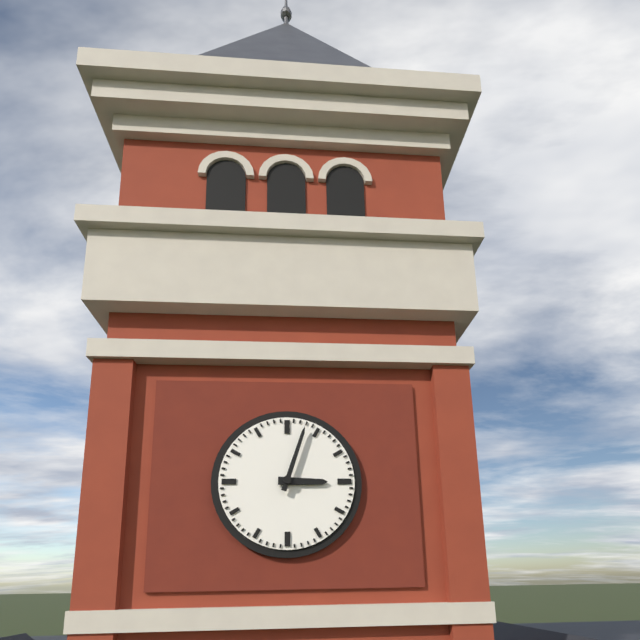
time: 3.03
